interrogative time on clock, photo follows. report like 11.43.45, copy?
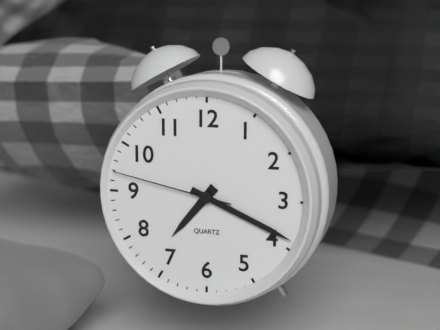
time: 7.19.47
